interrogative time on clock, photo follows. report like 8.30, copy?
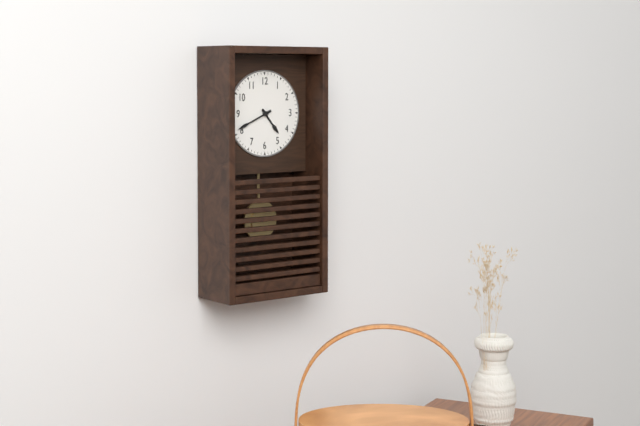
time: 4.41
